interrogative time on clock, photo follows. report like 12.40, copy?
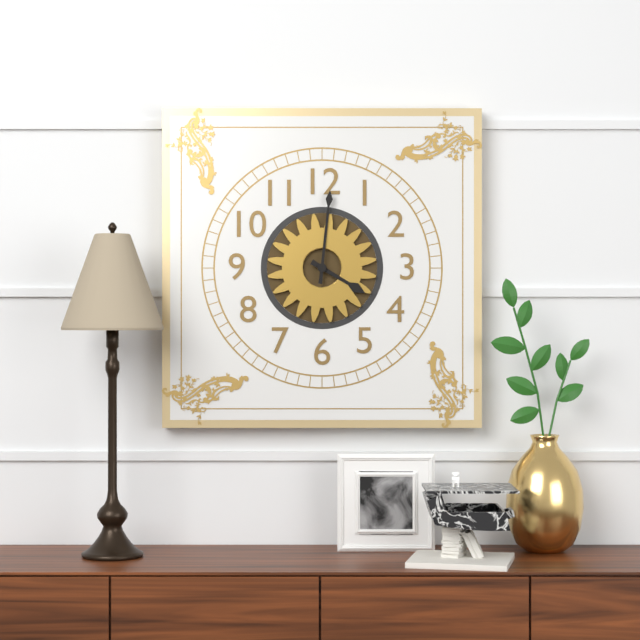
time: 4.01
